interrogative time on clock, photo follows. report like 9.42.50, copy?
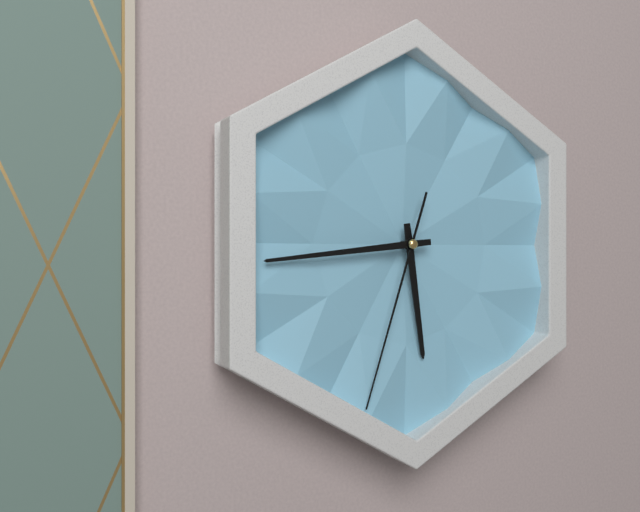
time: 5.44.33
